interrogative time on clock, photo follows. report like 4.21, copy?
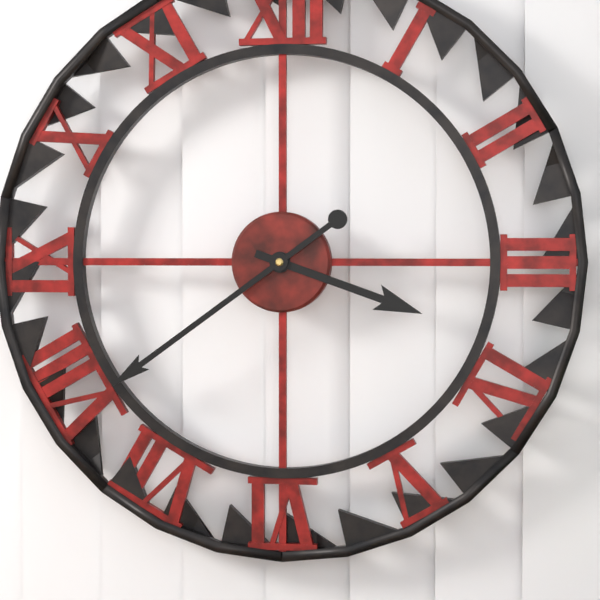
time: 3.39
